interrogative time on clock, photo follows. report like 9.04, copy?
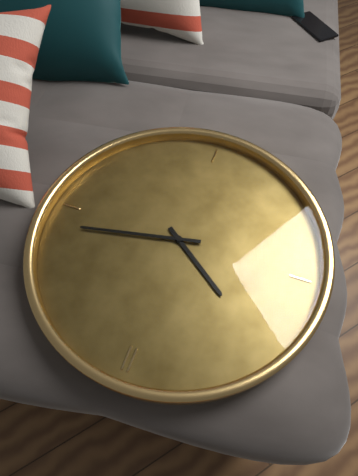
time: 10.13
